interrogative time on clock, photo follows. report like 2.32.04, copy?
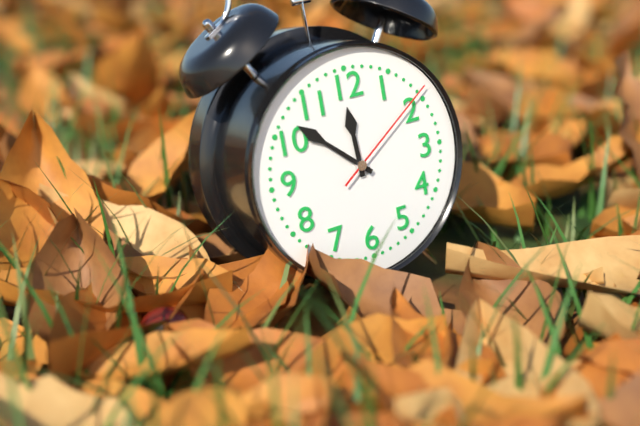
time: 11.52.09
